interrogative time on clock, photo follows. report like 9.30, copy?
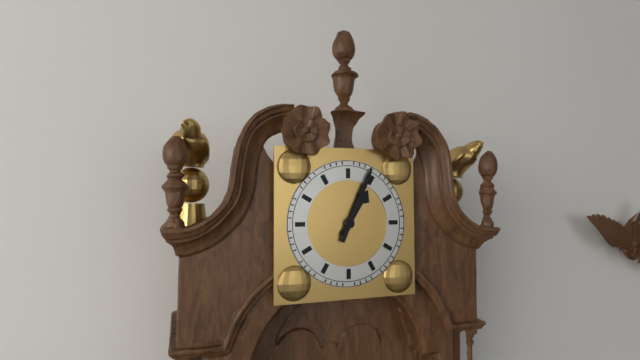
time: 1.04
